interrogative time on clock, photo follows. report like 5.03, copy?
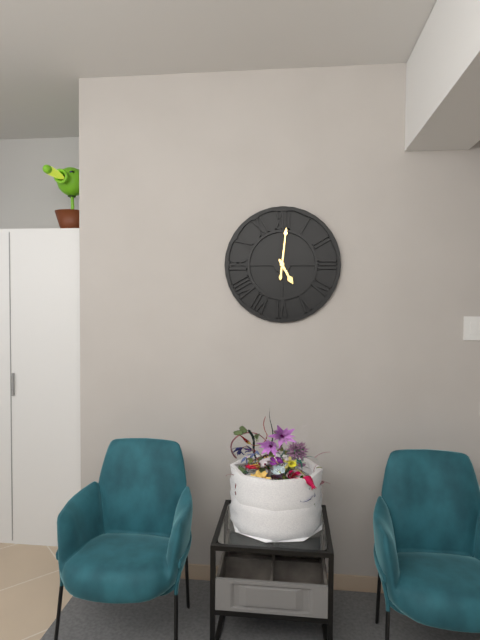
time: 5.01
